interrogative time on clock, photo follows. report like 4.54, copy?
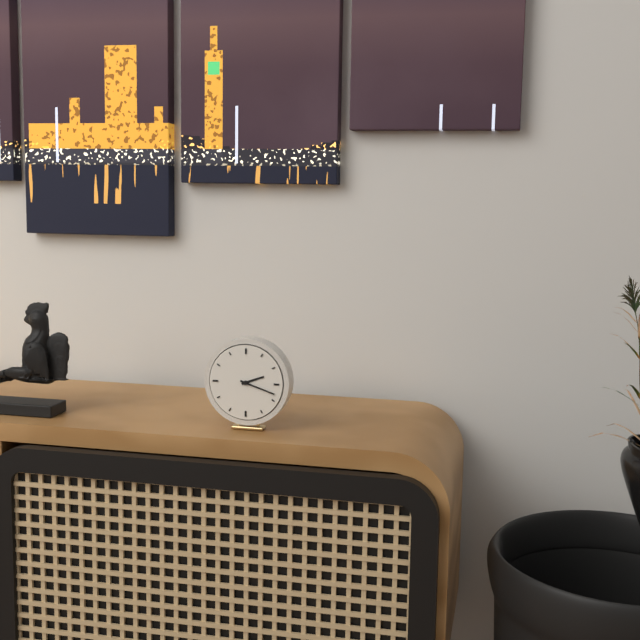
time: 2.18
